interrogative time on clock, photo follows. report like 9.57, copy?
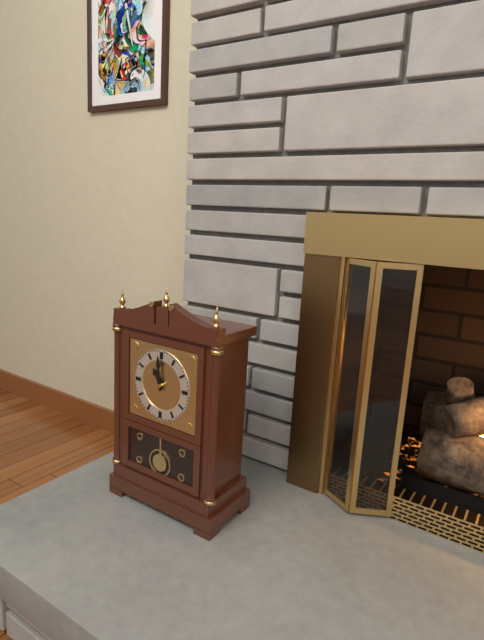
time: 10.59
